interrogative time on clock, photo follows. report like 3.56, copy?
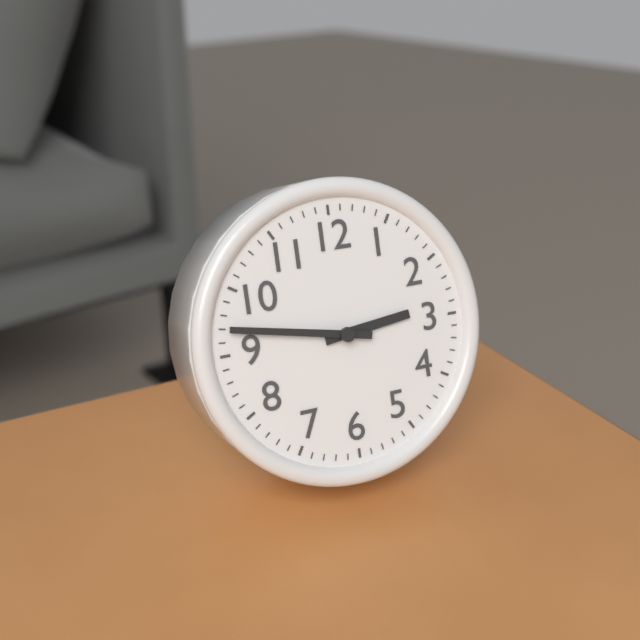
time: 2.47
